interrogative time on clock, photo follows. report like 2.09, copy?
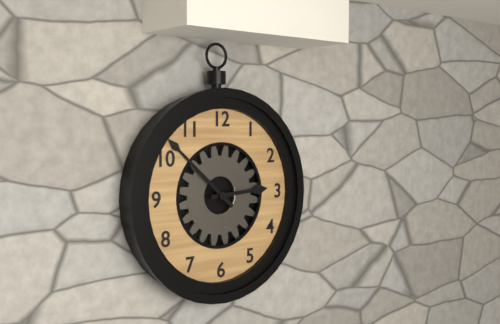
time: 2.52
